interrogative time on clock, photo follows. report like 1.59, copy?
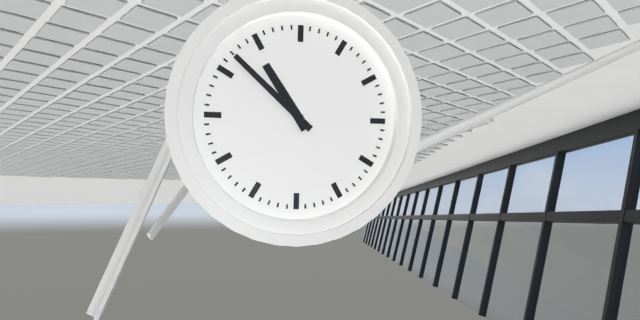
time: 10.52
